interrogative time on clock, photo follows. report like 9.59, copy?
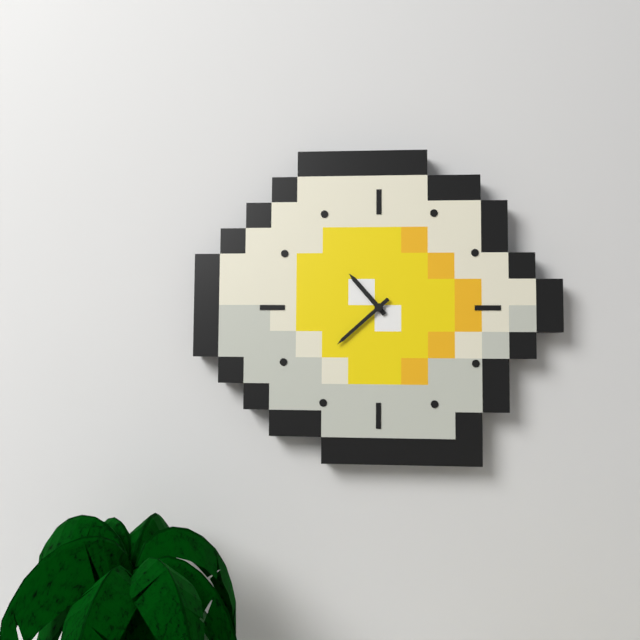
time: 10.38
